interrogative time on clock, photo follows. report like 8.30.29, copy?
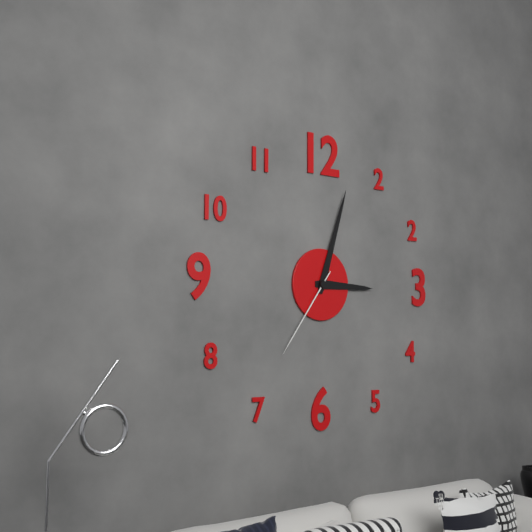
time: 3.03.36
